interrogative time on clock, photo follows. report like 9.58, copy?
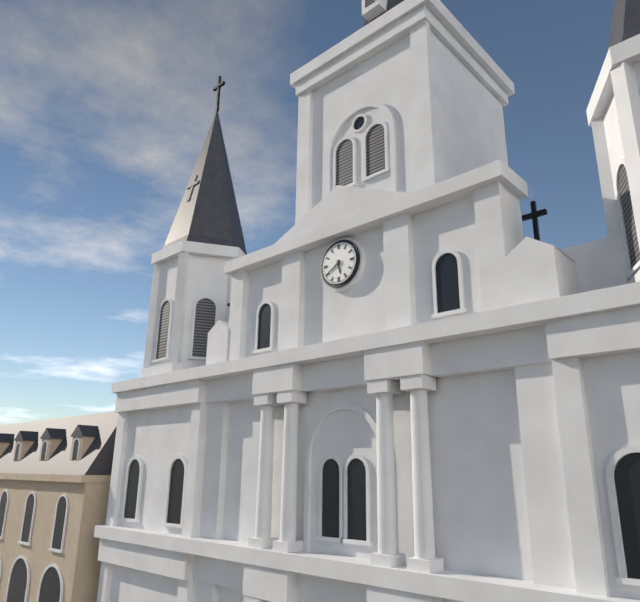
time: 5.40
